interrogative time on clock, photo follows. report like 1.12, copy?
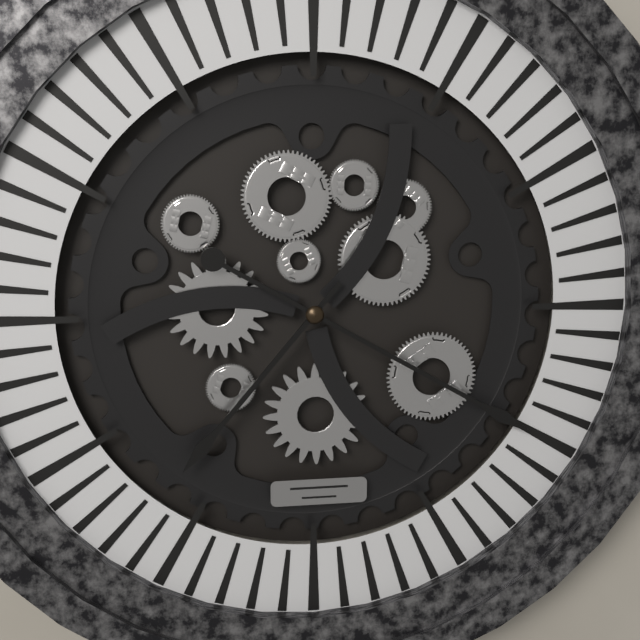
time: 7.20
